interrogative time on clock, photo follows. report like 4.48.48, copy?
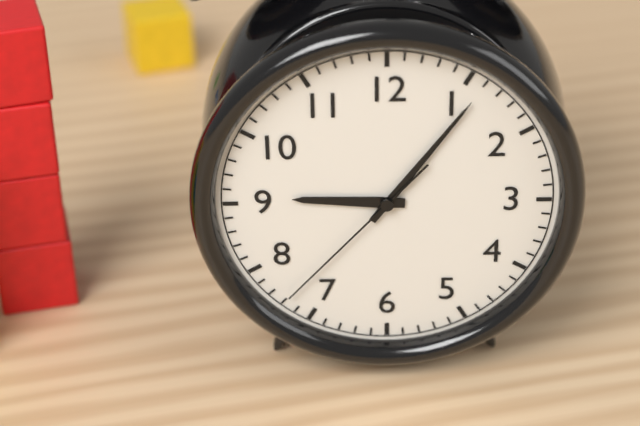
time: 9.06.37
